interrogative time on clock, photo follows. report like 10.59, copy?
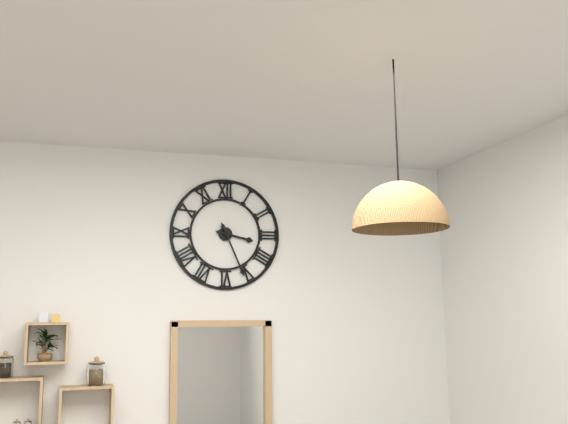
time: 3.26
